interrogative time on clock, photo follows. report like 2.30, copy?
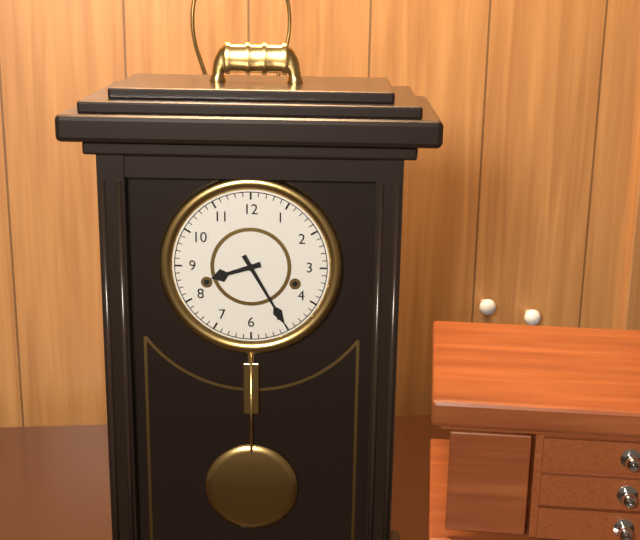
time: 8.25
